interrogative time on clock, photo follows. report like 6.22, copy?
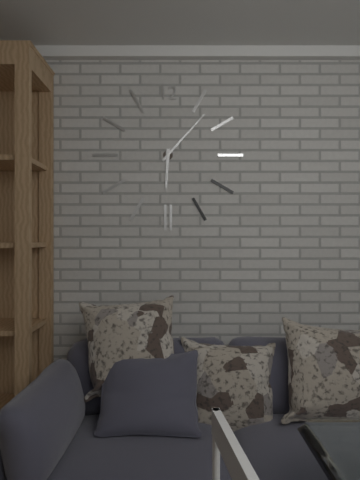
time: 6.07
